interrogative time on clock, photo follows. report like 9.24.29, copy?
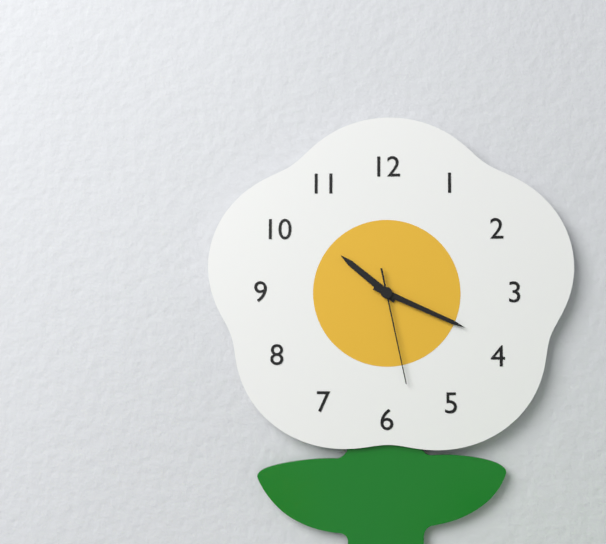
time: 10.19.28
